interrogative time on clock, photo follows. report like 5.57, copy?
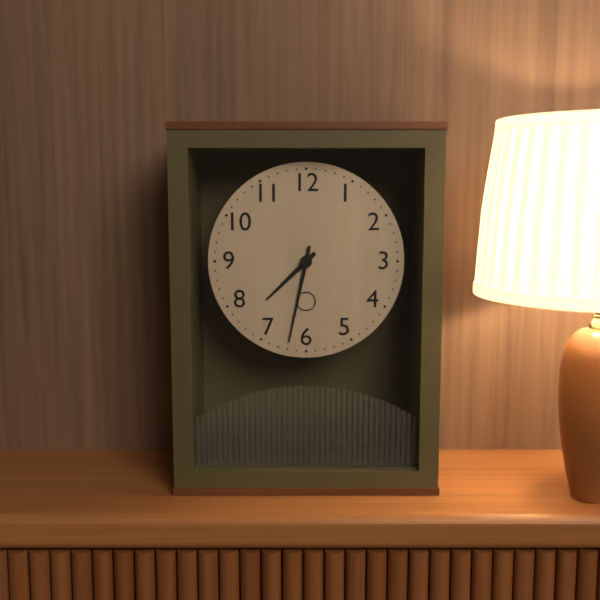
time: 7.32
